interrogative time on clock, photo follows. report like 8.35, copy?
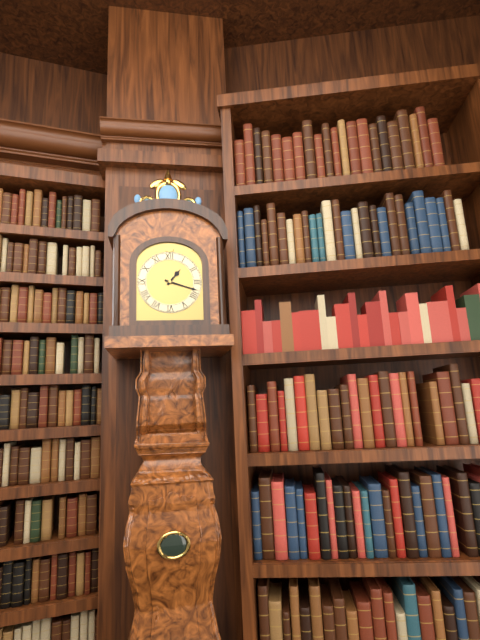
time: 1.18
